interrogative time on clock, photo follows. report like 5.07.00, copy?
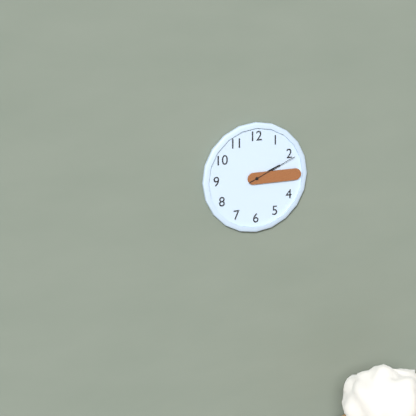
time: 2.15.11
